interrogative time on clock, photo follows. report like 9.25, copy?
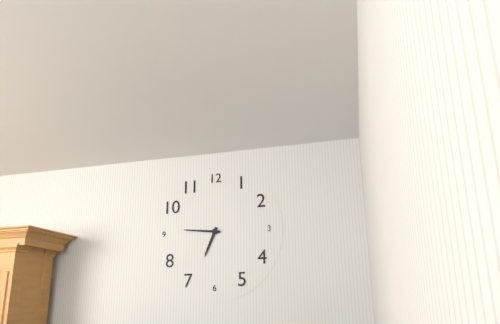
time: 6.46
